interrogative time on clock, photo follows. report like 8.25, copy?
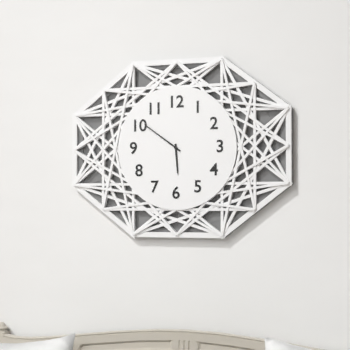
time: 5.51
